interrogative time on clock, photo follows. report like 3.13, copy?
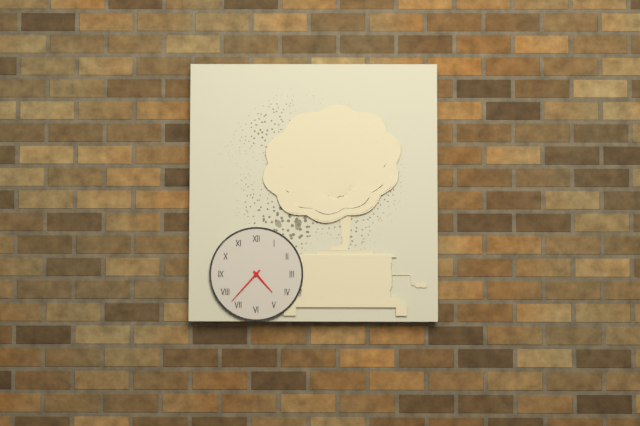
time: 4.37
